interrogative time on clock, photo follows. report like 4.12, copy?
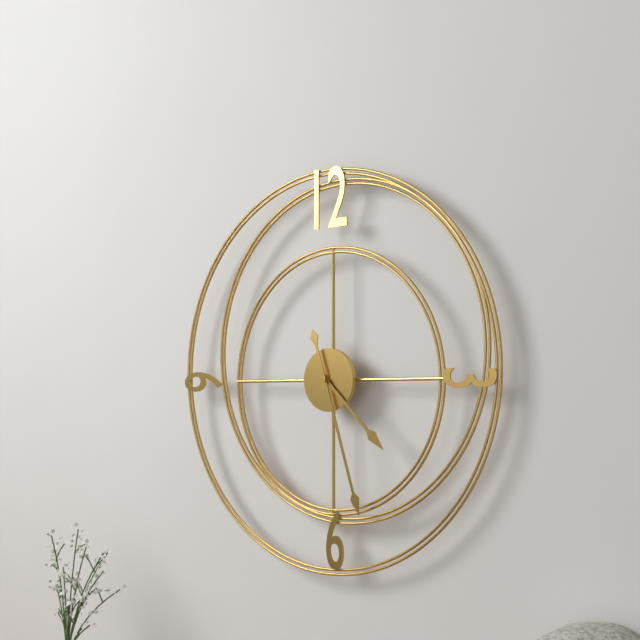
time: 4.27
